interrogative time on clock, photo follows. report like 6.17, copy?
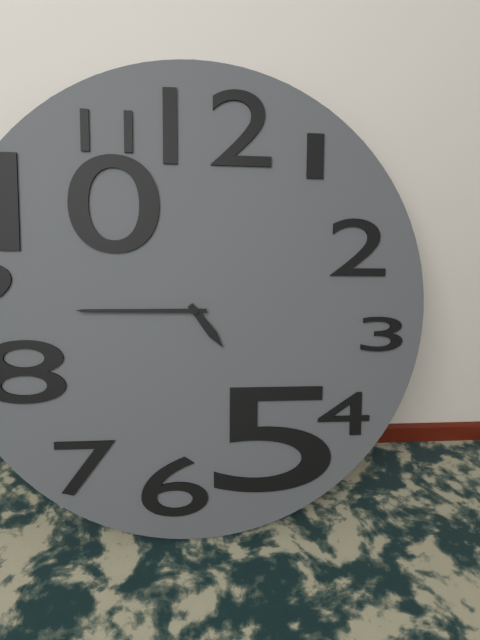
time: 4.45
